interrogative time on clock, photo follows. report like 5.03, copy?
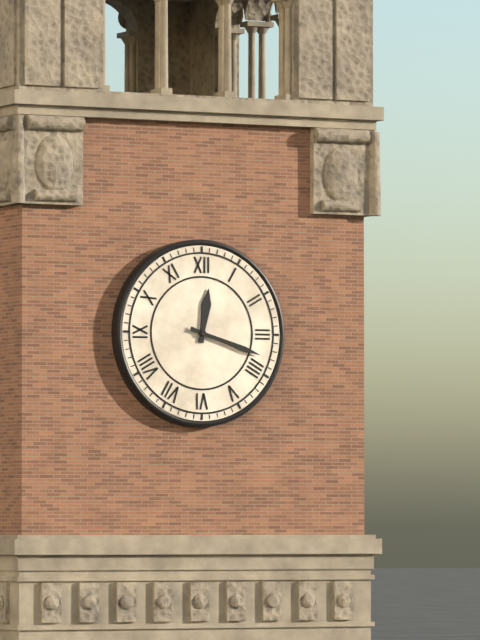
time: 12.18
